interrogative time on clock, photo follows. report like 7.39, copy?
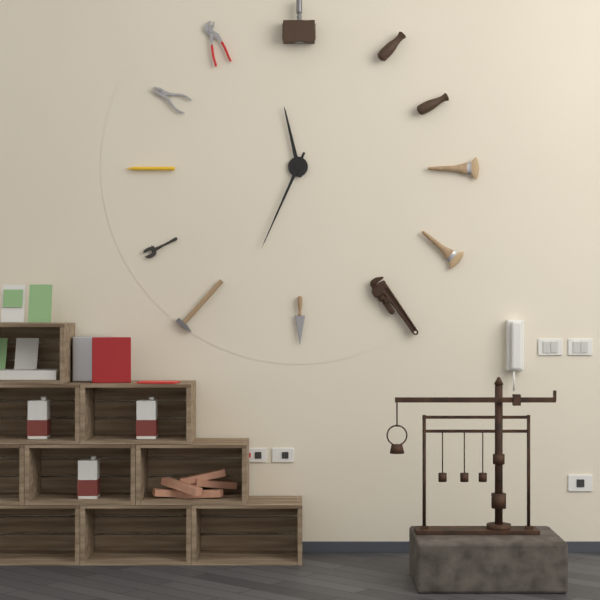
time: 11.34
